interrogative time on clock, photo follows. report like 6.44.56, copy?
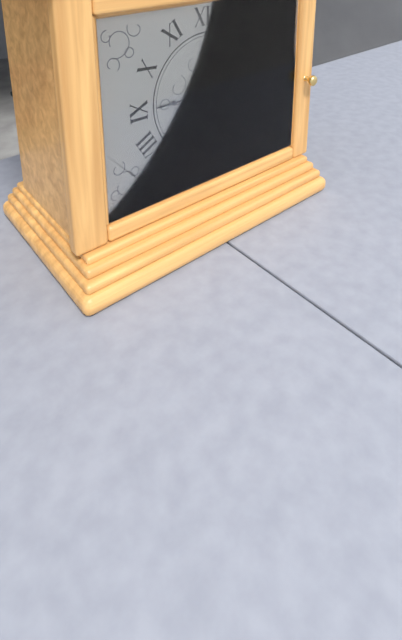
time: 7.45.08
